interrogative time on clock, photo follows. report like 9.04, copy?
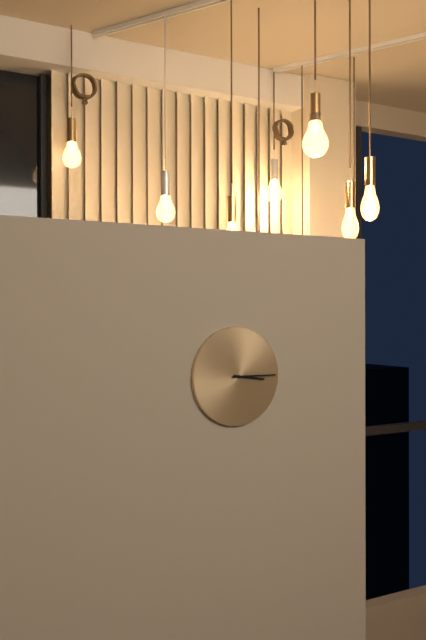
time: 3.15
